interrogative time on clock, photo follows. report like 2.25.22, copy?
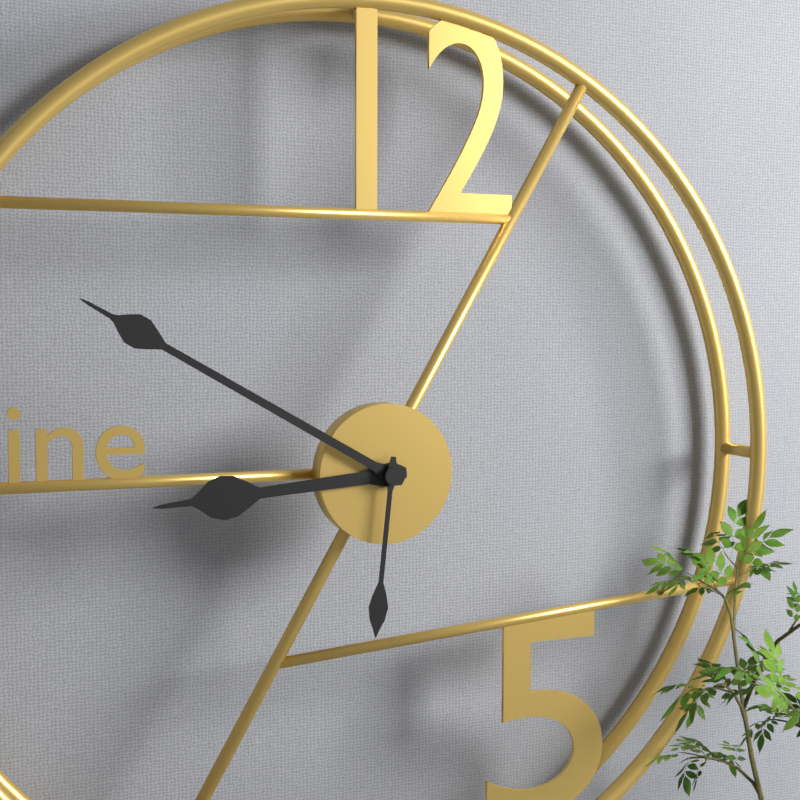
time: 8.50.31
